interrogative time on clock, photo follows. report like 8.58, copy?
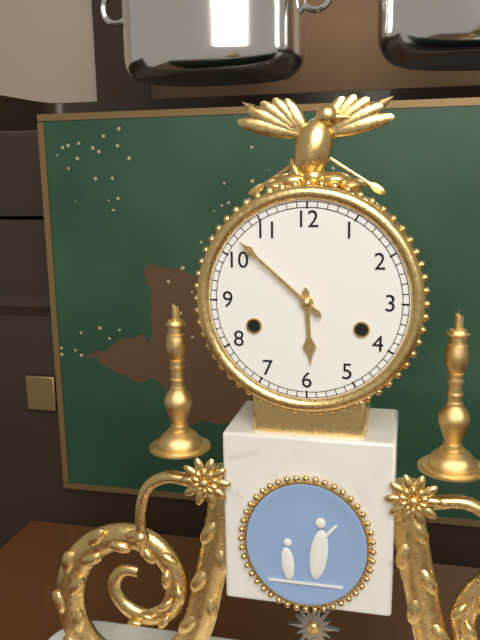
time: 5.52
